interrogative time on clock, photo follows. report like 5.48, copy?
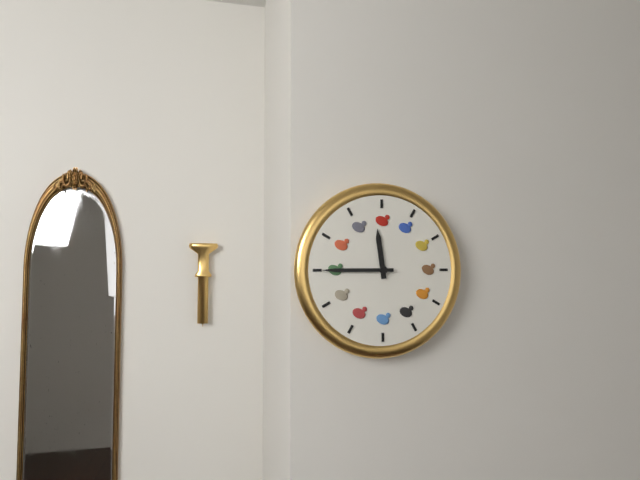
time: 11.45
